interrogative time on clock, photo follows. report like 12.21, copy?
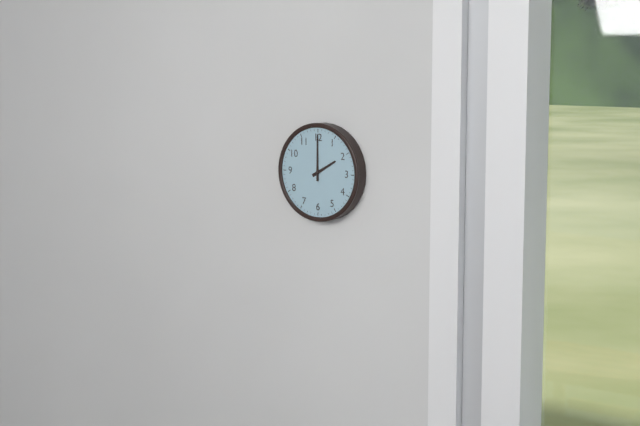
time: 2.00
